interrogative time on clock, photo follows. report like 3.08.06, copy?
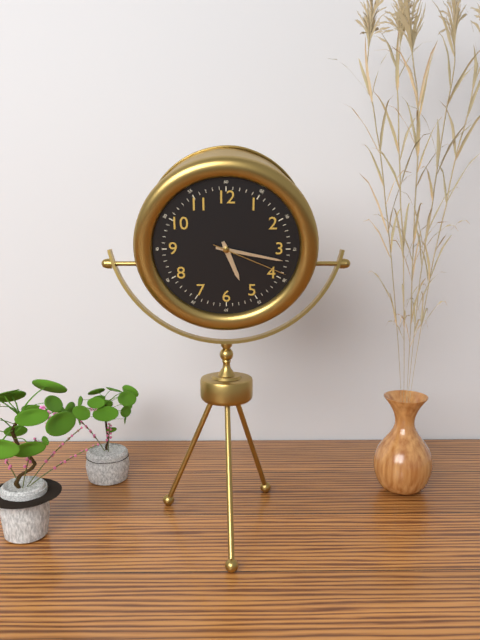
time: 5.17.19
